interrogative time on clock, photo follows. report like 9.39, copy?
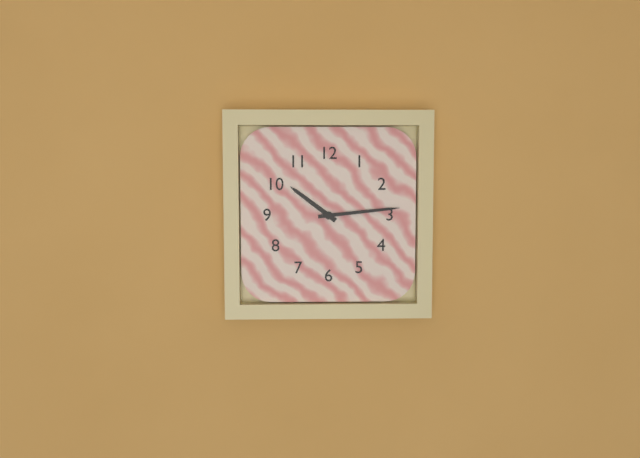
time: 10.14
